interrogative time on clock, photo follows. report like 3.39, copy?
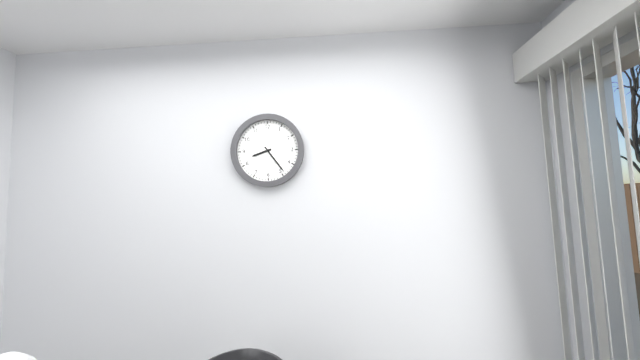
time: 8.24
